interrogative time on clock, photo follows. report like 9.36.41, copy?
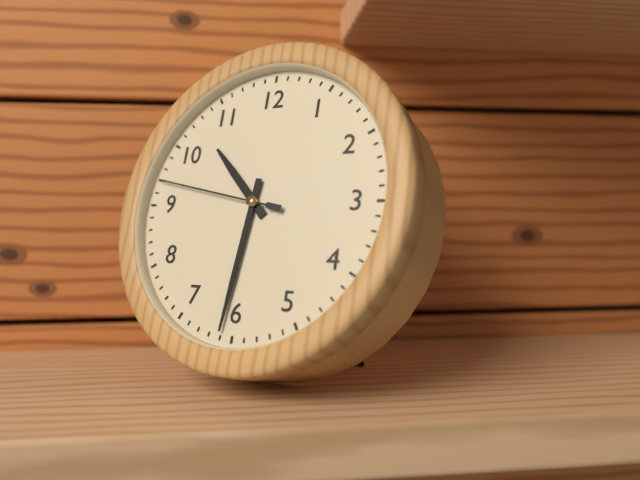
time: 10.31.47
